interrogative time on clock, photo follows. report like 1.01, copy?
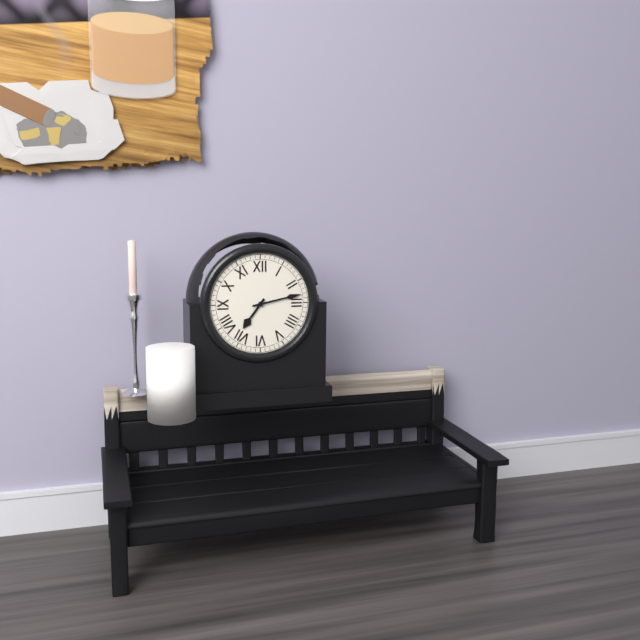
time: 7.13
